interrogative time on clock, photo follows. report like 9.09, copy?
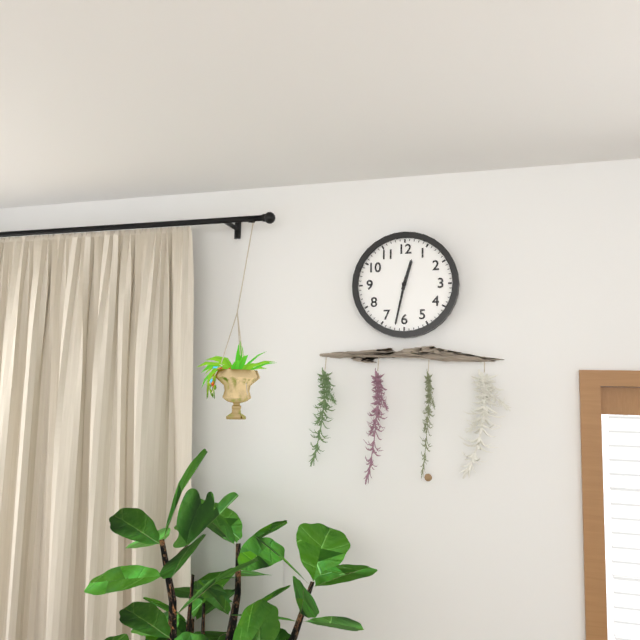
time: 12.32
